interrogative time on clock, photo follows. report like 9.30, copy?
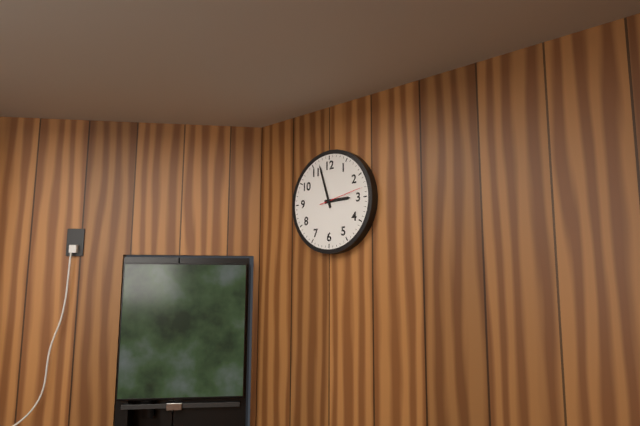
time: 2.57
